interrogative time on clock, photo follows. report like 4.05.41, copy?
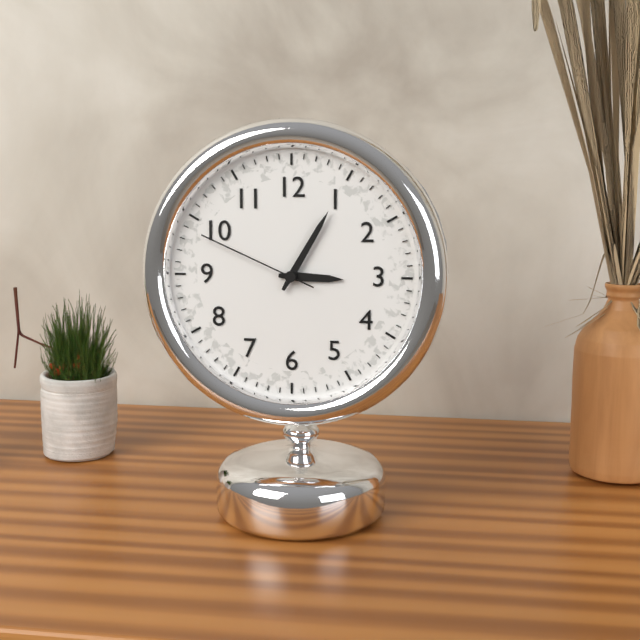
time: 3.05.49
